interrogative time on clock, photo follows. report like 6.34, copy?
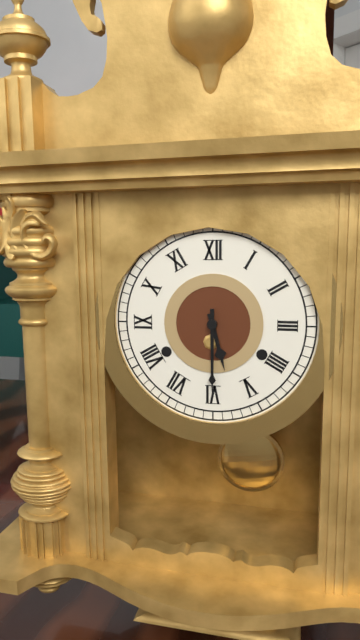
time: 5.30
